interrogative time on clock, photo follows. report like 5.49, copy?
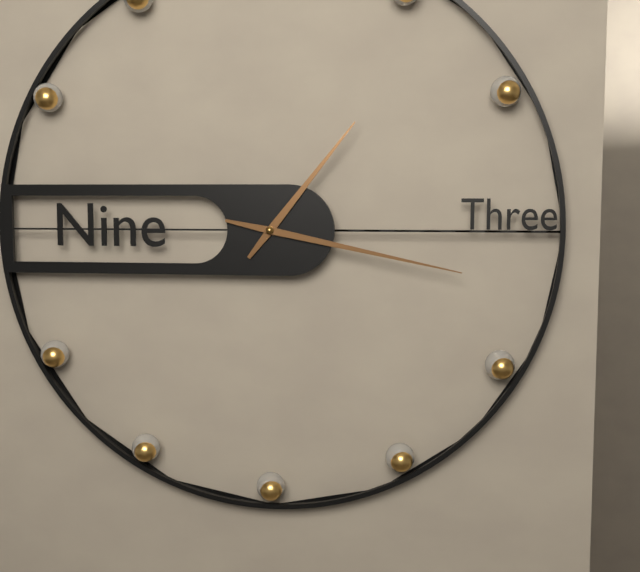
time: 1.17
